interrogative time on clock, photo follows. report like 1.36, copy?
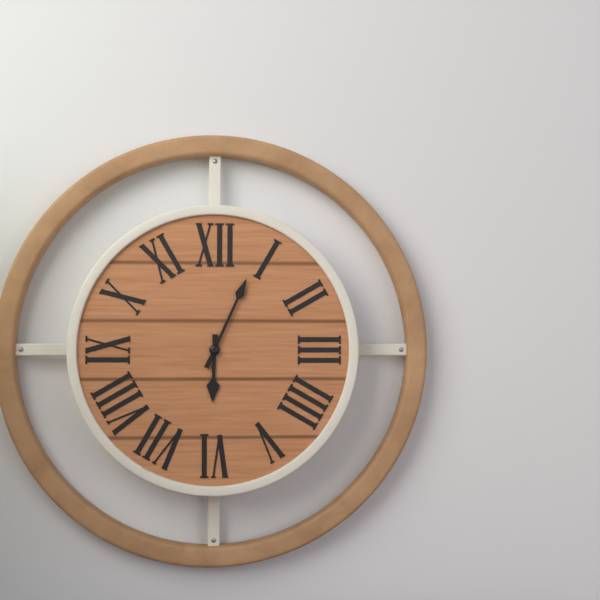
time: 6.04
